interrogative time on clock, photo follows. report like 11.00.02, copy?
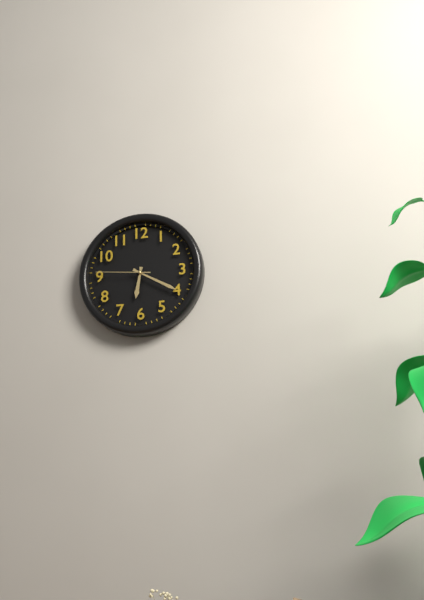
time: 6.20.46
